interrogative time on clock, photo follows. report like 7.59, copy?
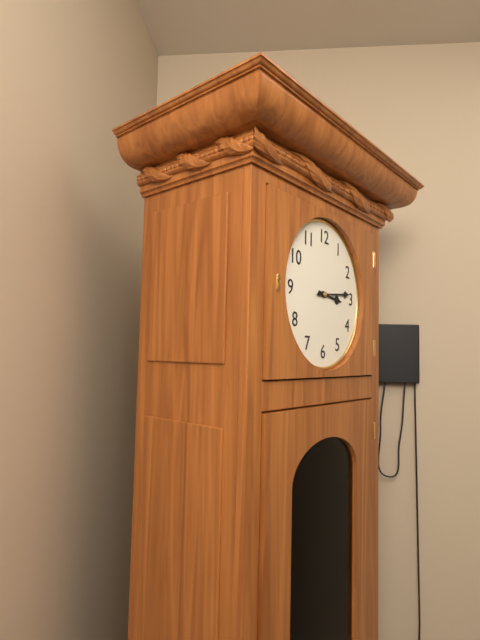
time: 3.14
